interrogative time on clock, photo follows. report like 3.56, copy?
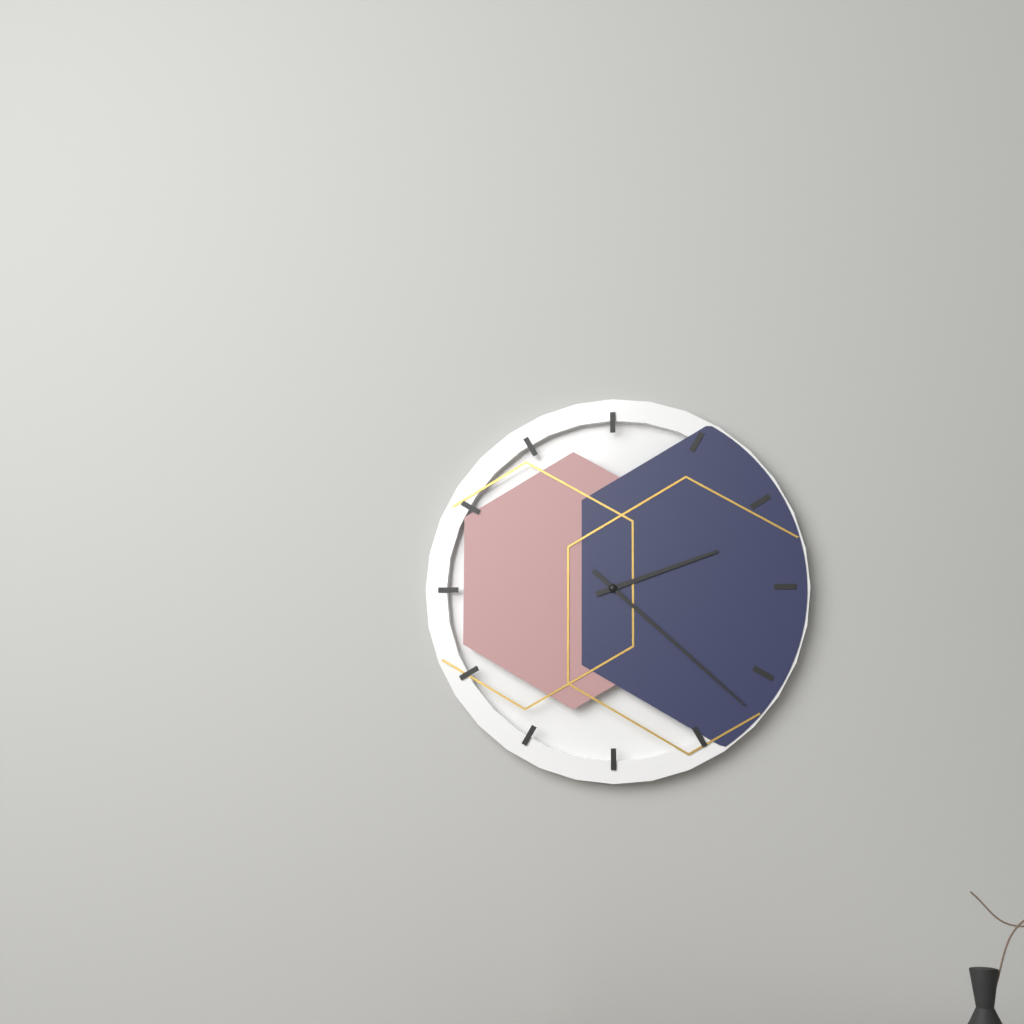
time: 2.22
